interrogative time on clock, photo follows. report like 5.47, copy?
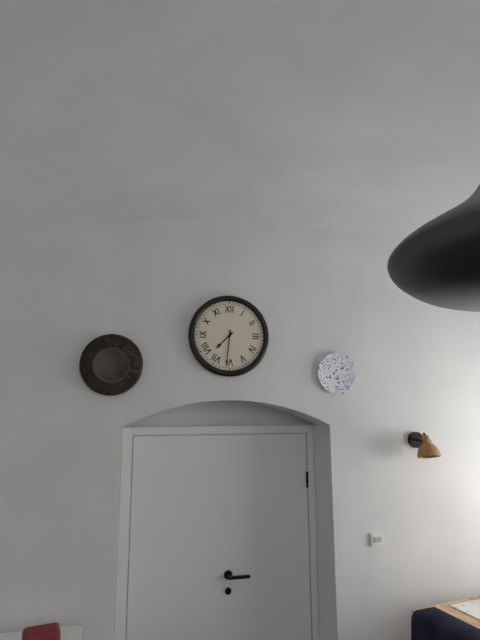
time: 7.31
